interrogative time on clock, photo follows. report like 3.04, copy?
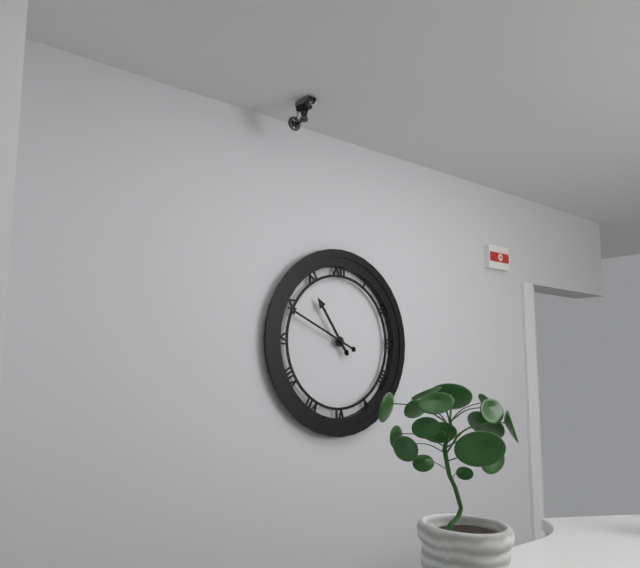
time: 10.49
